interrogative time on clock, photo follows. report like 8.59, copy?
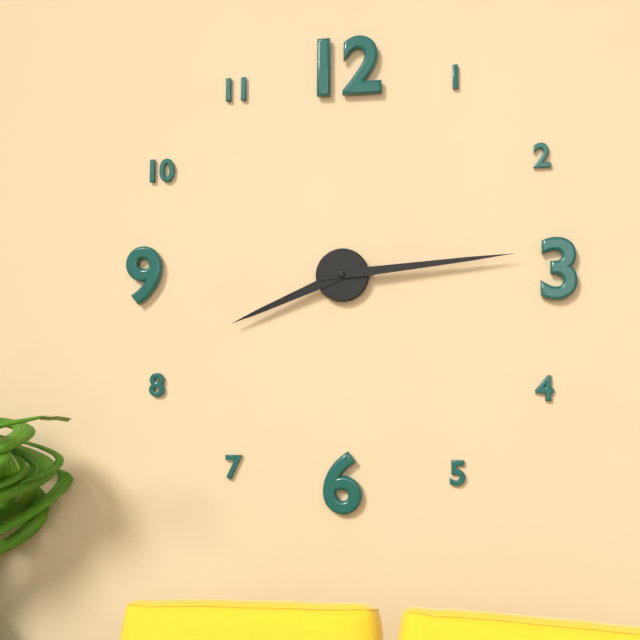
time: 8.14
